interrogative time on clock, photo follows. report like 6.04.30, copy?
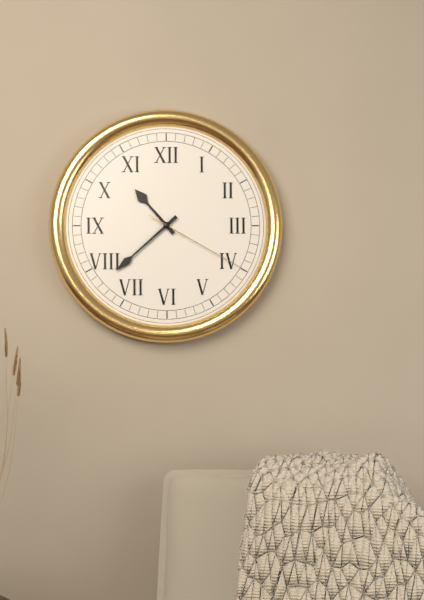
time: 10.38.20
